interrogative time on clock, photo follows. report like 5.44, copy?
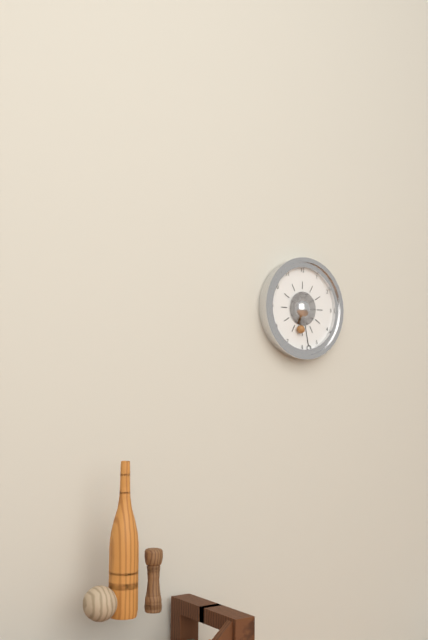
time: 6.28
